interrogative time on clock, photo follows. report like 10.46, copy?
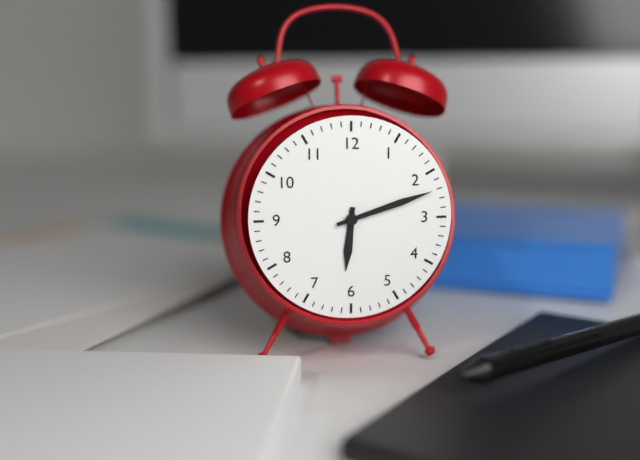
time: 6.12
